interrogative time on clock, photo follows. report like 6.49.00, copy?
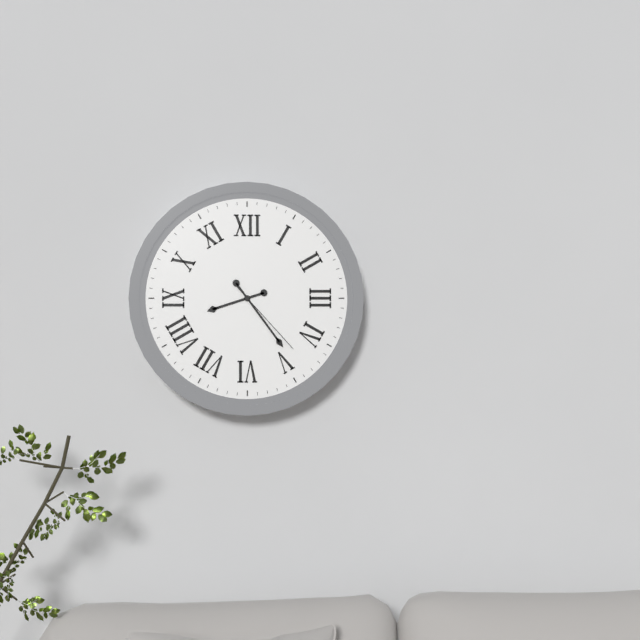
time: 8.24.23
